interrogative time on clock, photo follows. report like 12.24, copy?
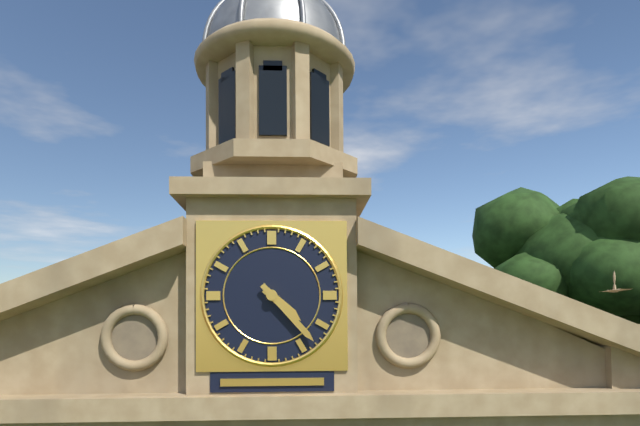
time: 4.23
